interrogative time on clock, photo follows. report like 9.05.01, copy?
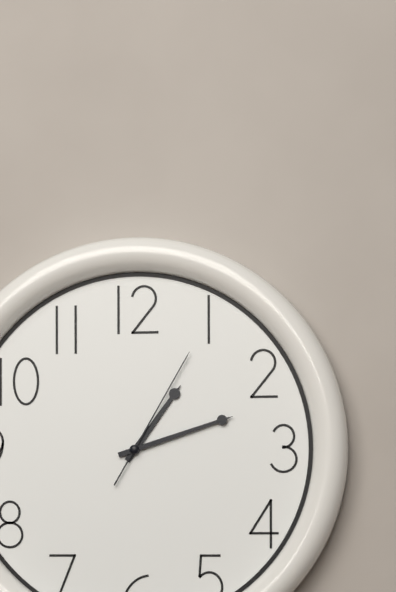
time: 1.12.05
